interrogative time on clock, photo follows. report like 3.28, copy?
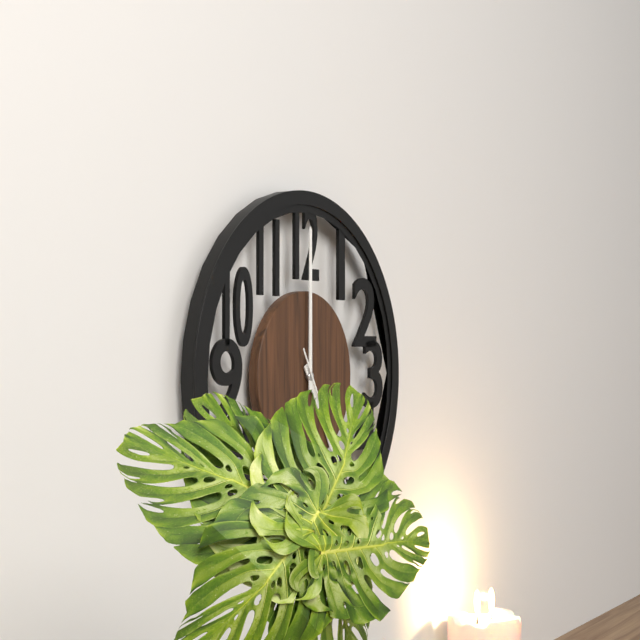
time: 5.00
